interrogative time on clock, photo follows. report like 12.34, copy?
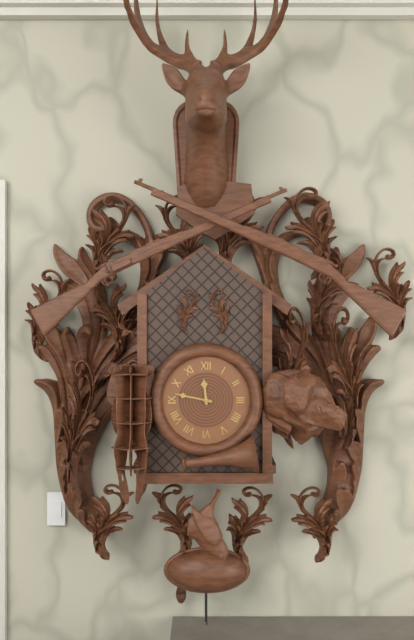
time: 11.47
